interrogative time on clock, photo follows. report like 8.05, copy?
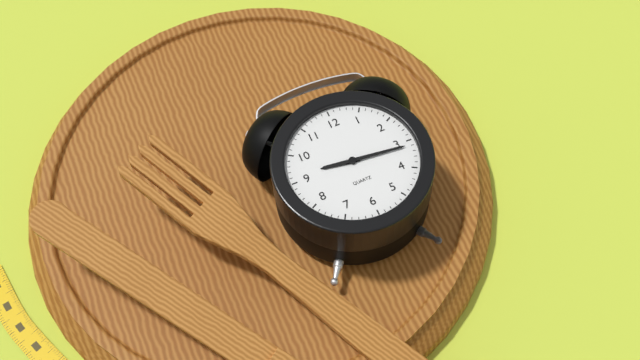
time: 9.16
